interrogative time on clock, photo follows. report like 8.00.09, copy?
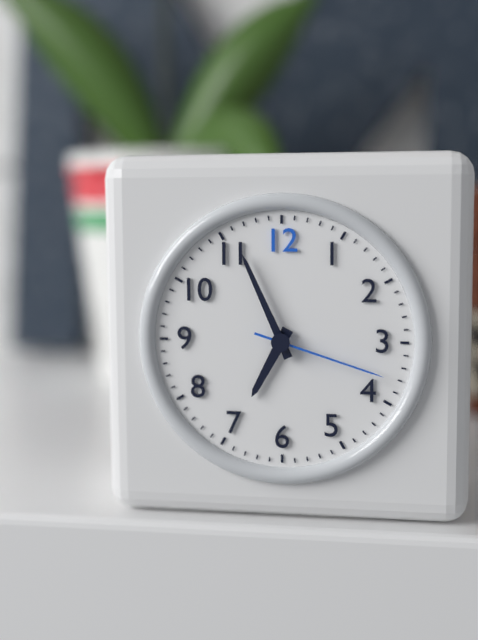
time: 6.56.18
